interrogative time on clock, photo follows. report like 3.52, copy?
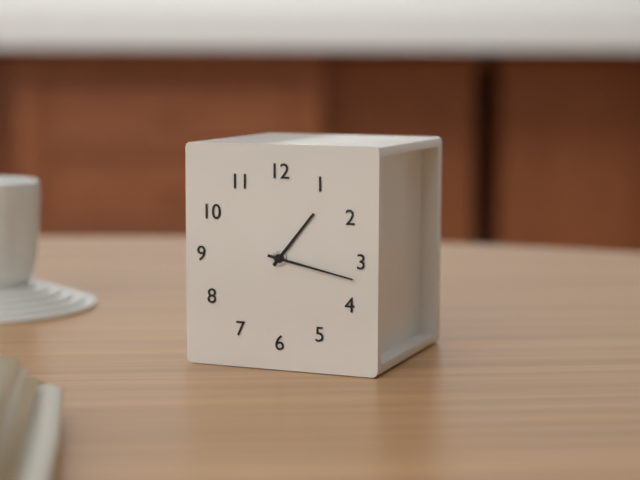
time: 1.17
